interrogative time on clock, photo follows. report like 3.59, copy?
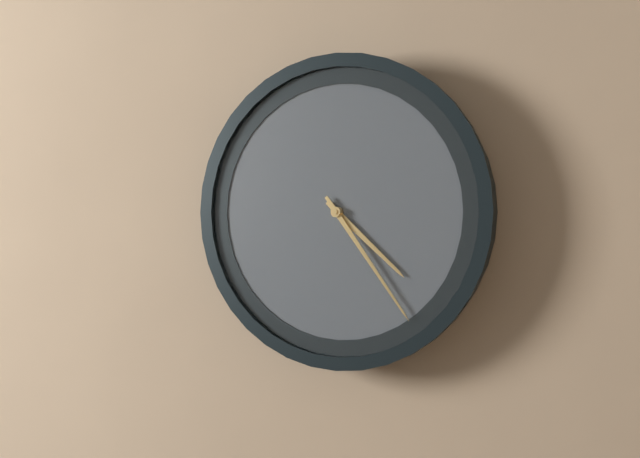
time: 4.24
